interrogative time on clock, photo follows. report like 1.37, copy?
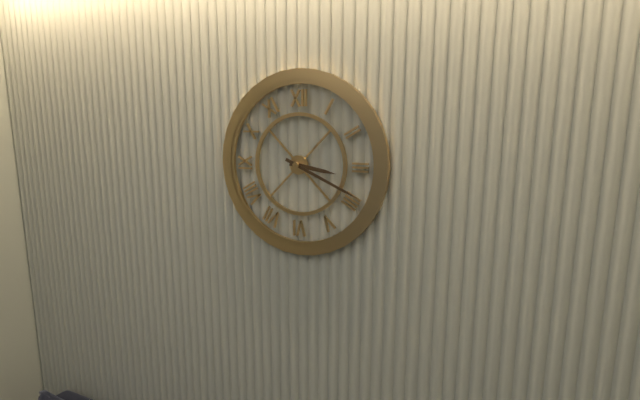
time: 3.19
